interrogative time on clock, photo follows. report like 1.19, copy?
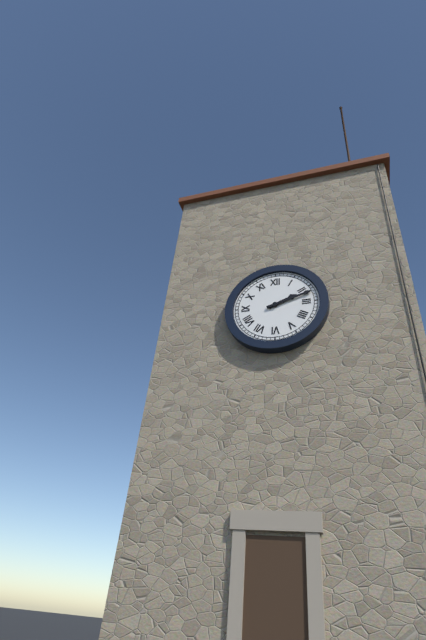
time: 2.12
